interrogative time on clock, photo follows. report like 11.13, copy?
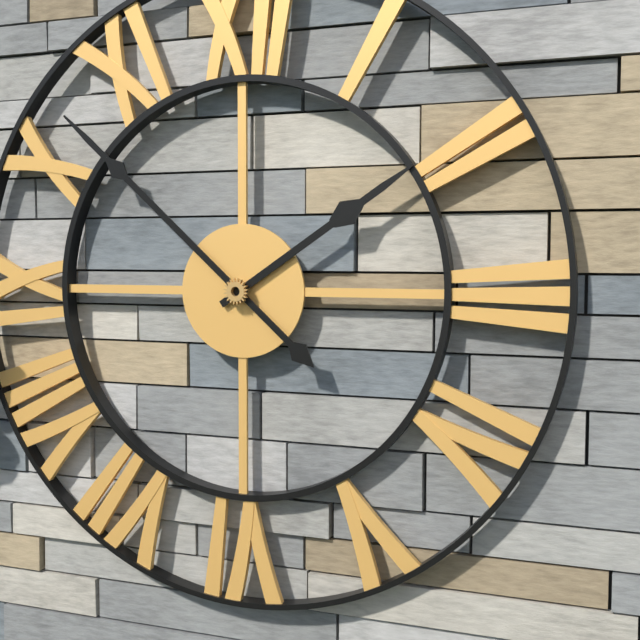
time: 1.52
